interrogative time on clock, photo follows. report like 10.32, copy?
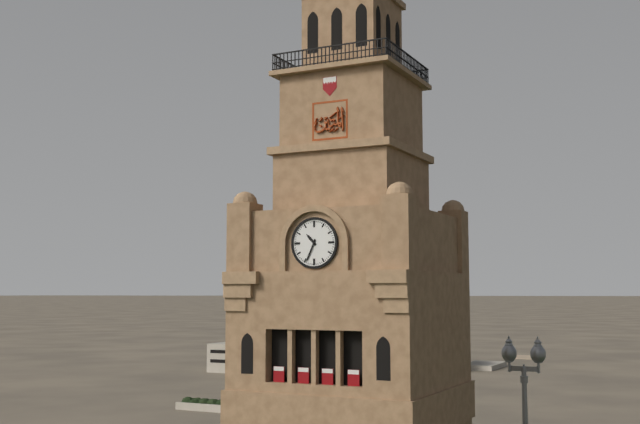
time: 10.34
